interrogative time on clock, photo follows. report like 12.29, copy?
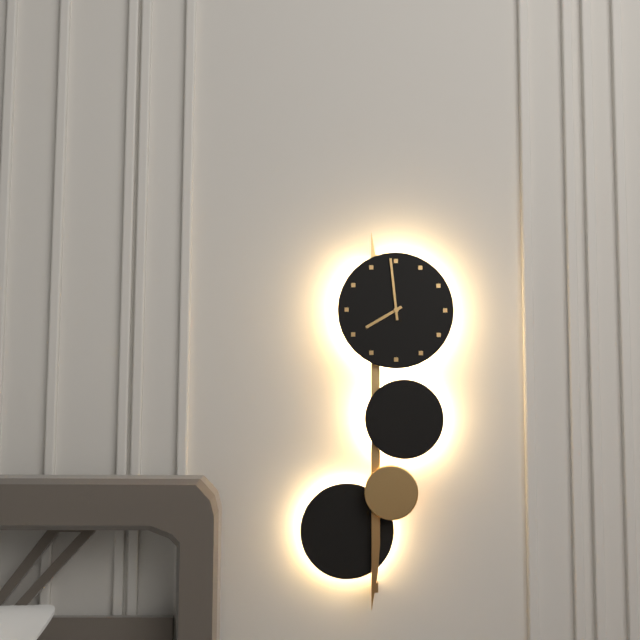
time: 7.59
